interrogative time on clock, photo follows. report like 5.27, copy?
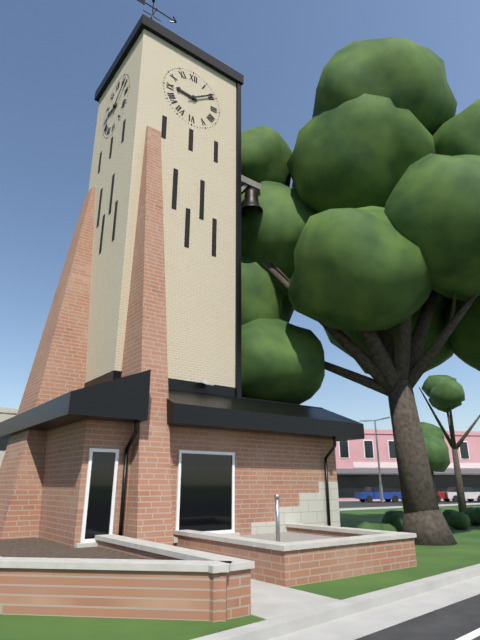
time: 9.09
